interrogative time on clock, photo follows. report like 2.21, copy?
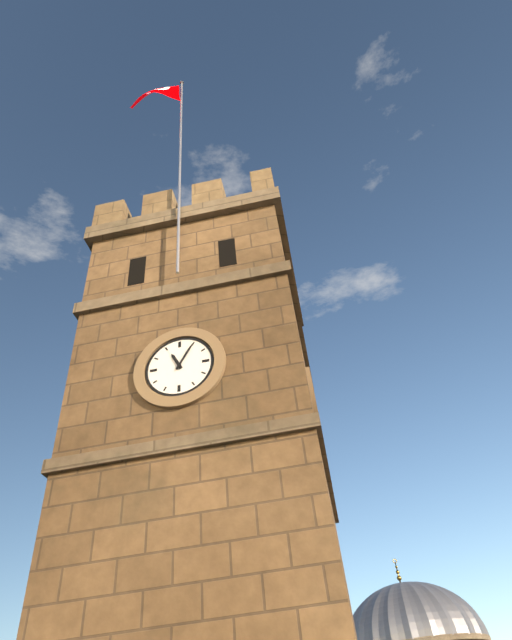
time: 11.05
